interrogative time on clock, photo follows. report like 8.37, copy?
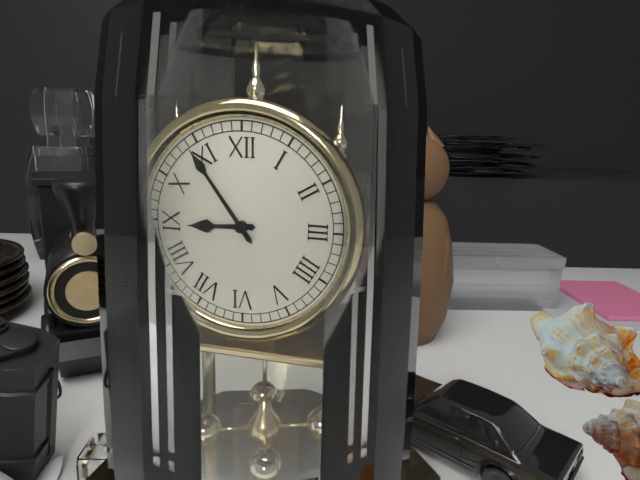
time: 8.54
